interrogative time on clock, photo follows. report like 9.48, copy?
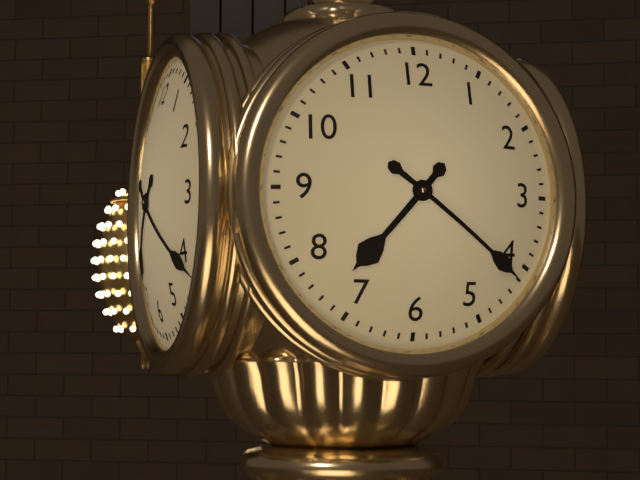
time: 7.21
